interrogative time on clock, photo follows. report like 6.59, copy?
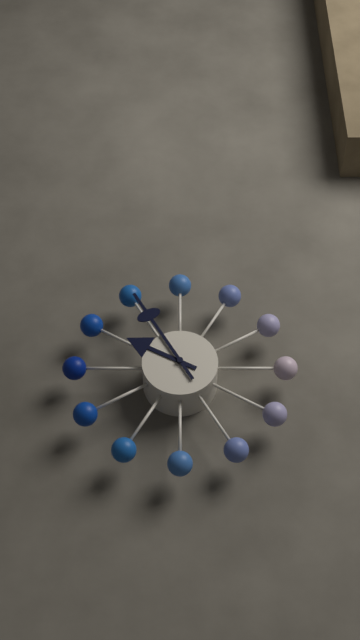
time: 9.55
